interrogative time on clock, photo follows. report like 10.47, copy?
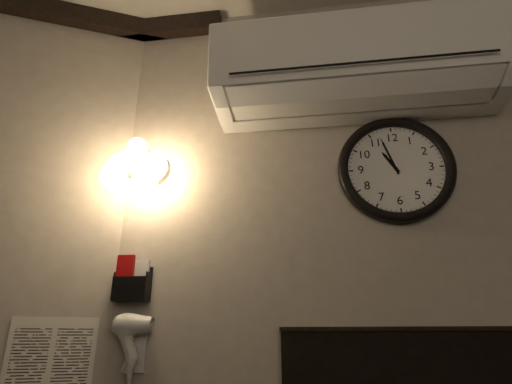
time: 10.57
